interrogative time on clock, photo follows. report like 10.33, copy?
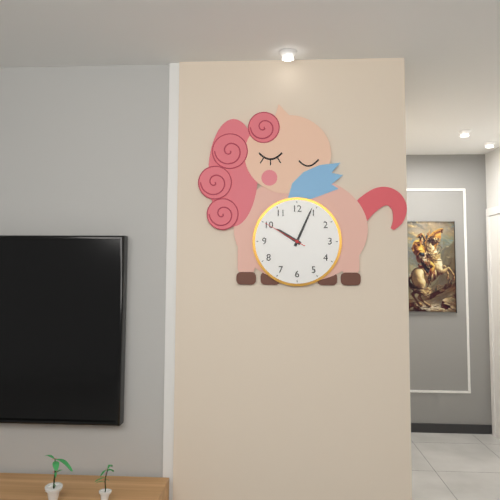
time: 10.04
